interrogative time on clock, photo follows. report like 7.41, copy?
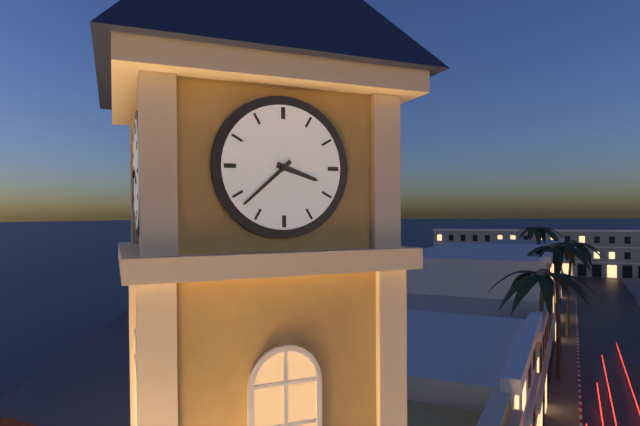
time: 3.38
